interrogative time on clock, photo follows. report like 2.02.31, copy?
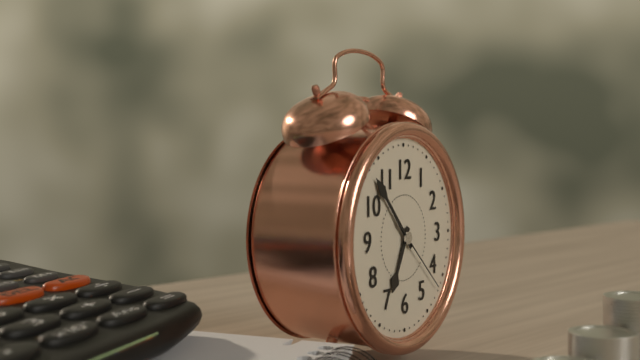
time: 6.53.22
